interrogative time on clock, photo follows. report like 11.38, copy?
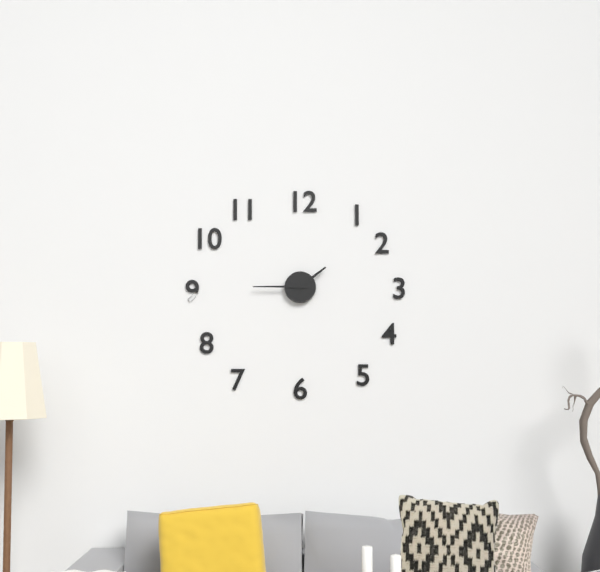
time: 1.45
